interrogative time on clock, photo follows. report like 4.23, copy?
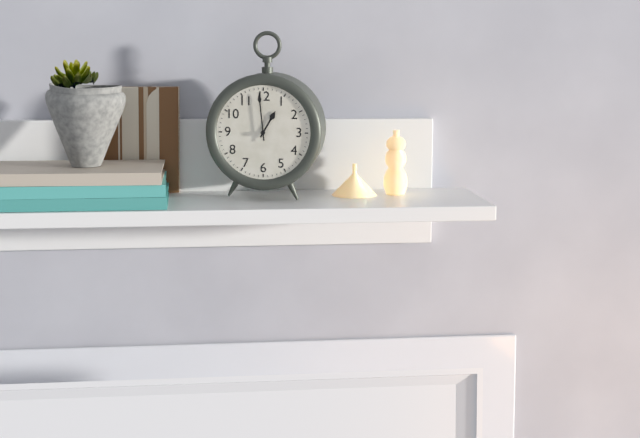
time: 12.59
